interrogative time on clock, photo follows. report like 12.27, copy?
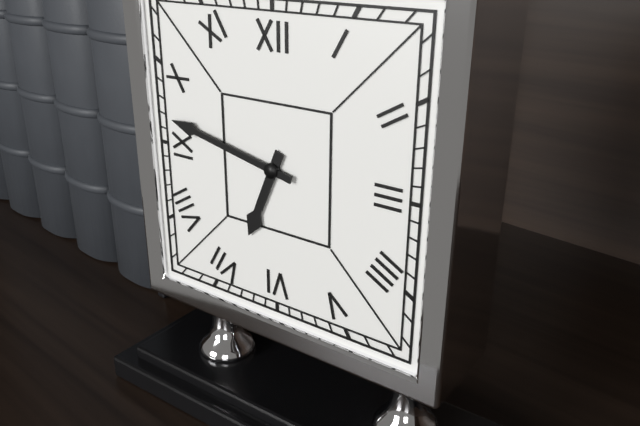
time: 6.47
